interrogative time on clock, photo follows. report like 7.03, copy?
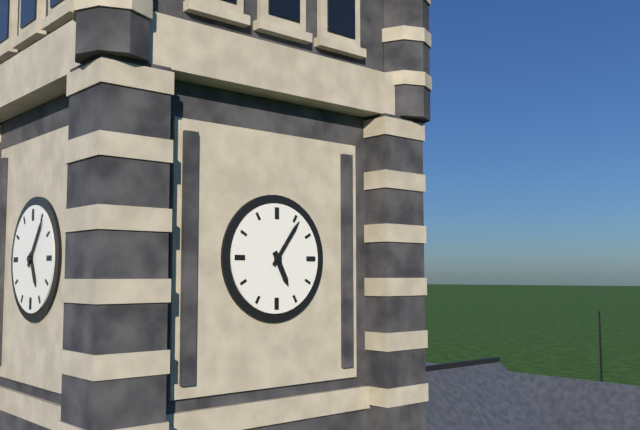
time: 5.06
